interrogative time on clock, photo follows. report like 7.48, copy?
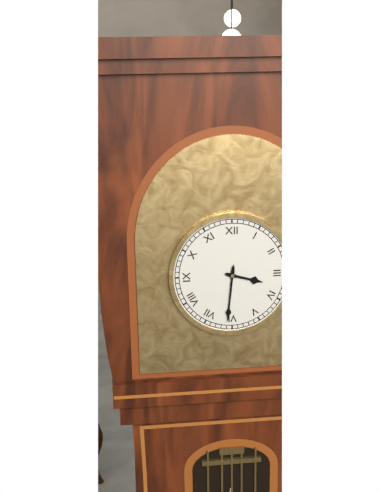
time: 3.31
